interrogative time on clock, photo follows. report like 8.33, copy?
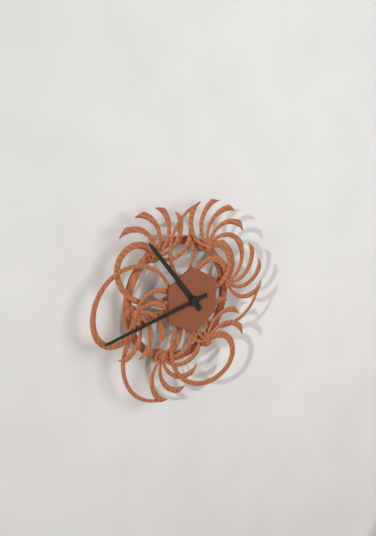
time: 10.43
